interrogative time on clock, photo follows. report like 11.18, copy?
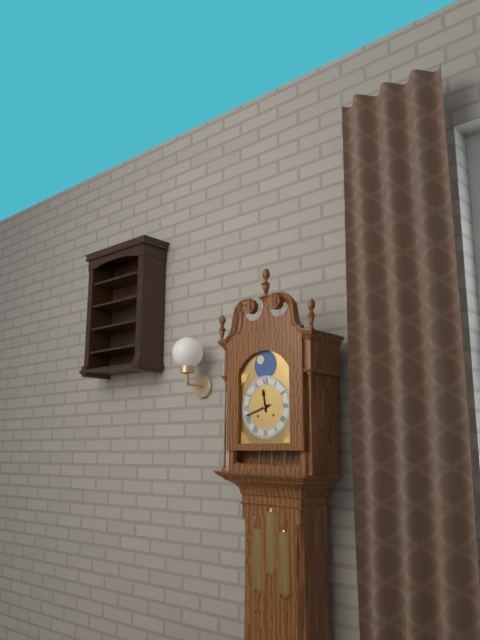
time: 11.42
